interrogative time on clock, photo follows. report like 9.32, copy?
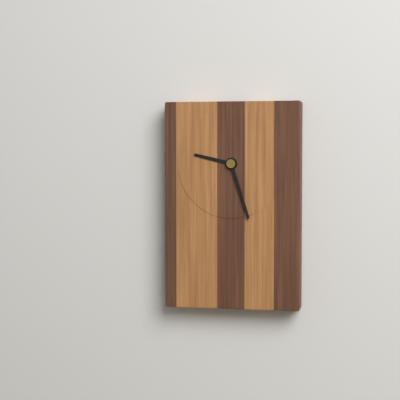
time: 9.27
